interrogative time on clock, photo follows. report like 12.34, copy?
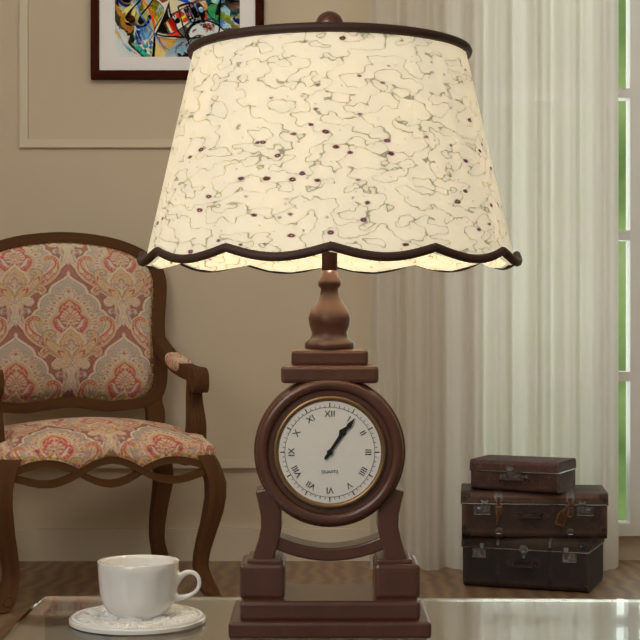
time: 1.06
